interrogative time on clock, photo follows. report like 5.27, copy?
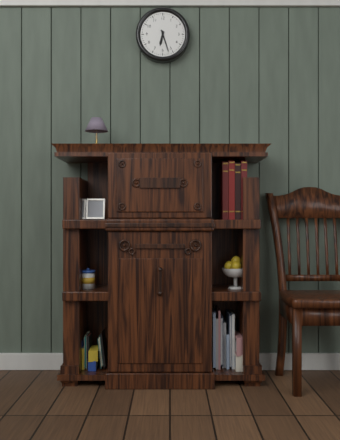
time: 6.27
